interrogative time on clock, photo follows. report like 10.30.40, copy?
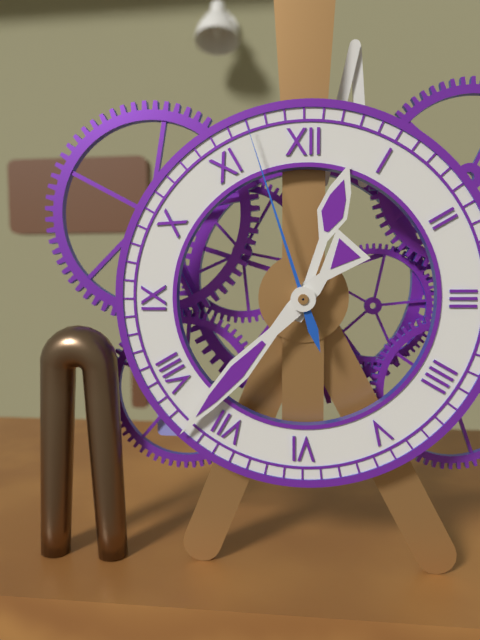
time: 12.37.57
